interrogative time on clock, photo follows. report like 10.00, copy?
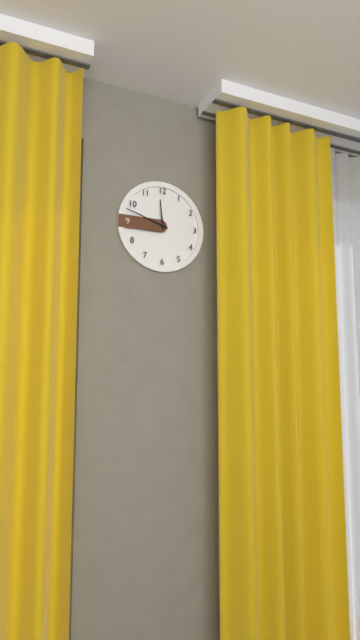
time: 11.48
